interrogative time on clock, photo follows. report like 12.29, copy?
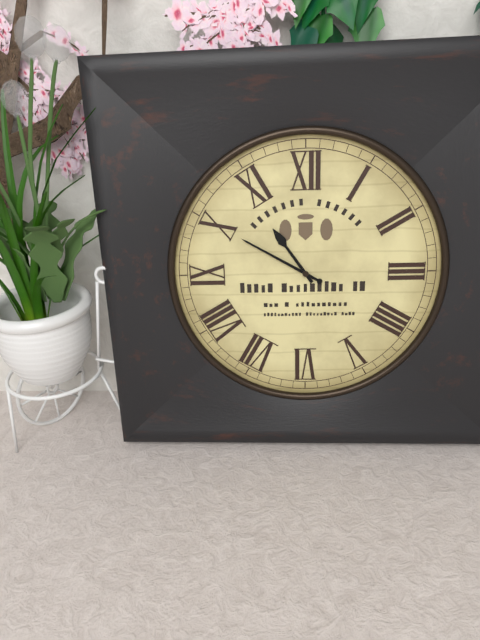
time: 10.50
